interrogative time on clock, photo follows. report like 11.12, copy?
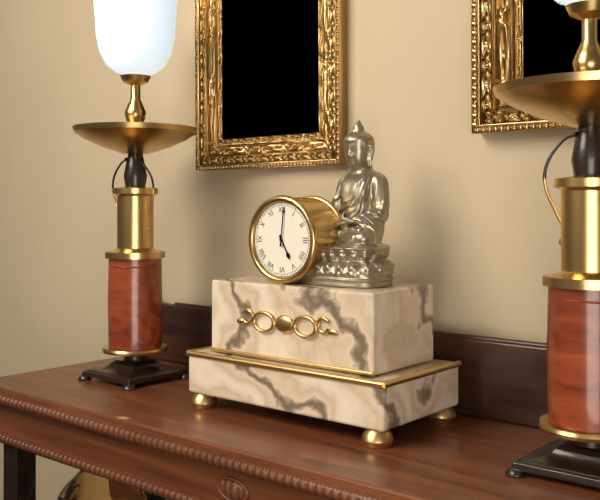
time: 5.01
